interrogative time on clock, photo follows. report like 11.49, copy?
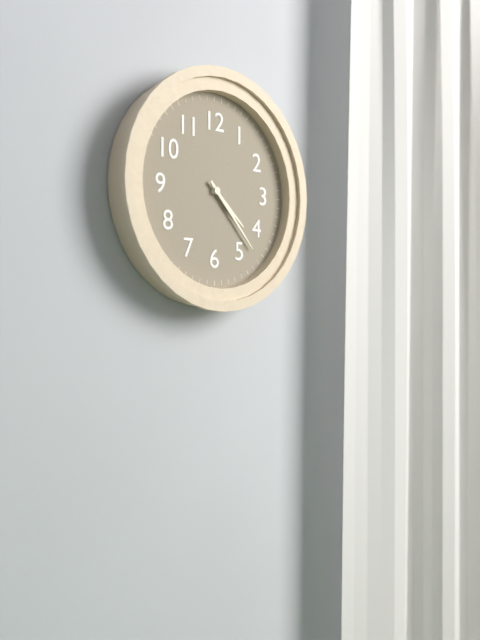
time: 4.23
